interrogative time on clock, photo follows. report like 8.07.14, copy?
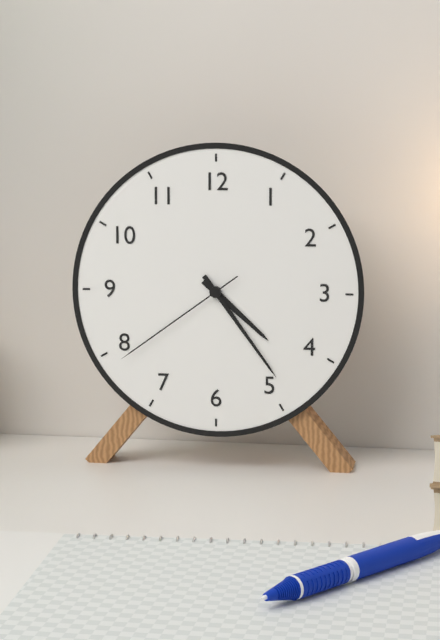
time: 4.24.39
